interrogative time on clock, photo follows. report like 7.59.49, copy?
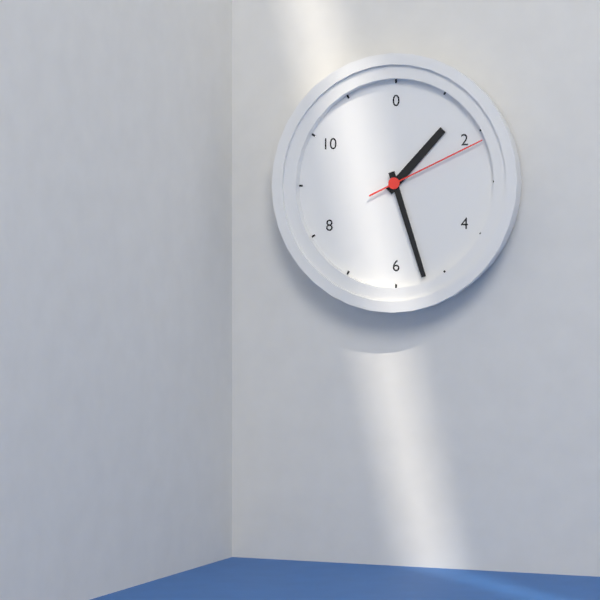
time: 1.27.11
